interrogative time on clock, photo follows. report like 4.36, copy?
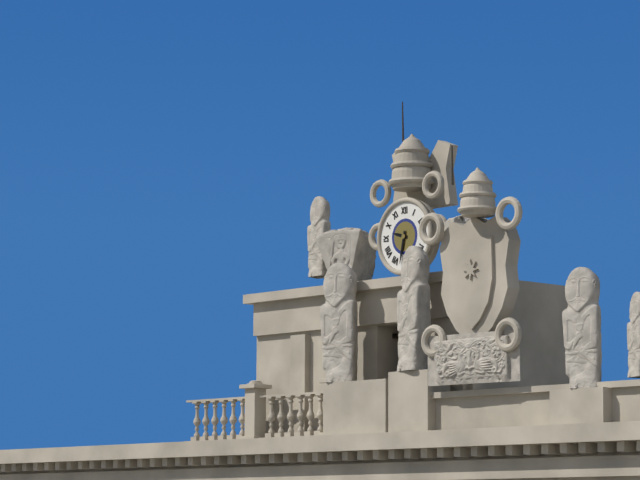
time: 9.32
